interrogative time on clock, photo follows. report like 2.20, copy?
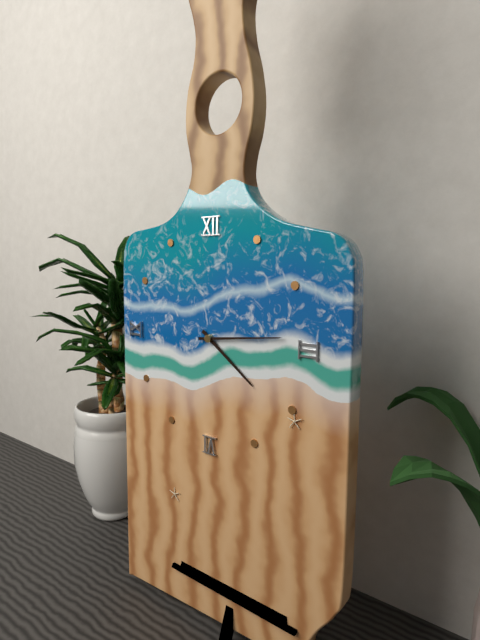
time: 4.14
